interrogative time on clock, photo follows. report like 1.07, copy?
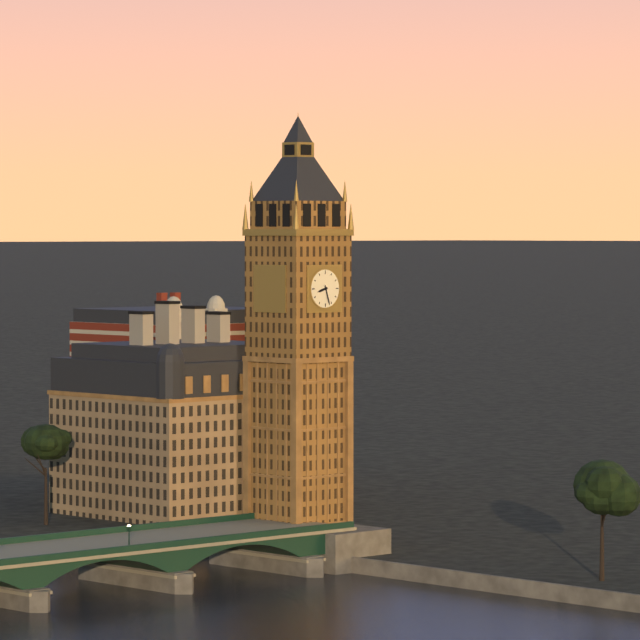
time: 8.27
